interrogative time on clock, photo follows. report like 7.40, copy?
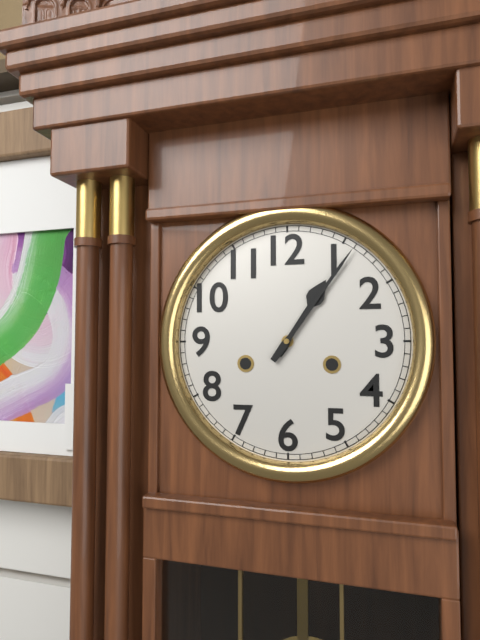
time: 1.06
